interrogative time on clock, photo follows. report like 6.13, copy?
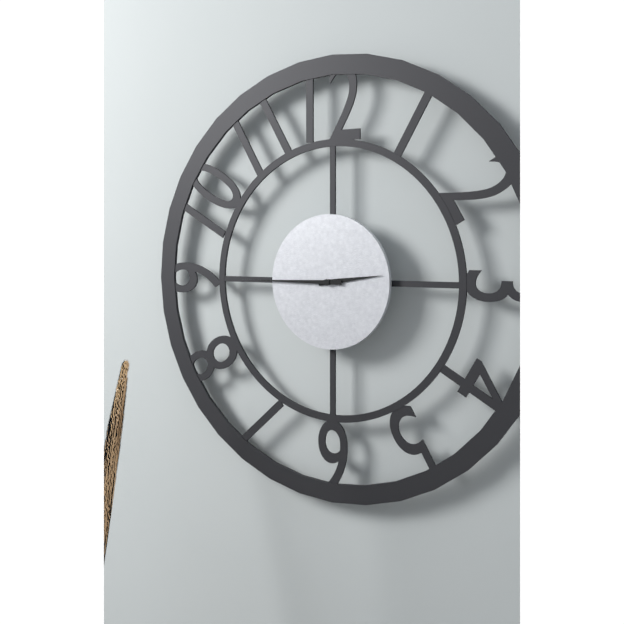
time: 2.45
